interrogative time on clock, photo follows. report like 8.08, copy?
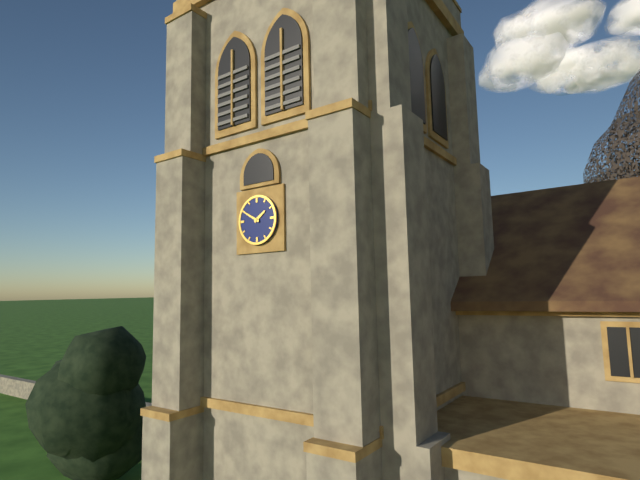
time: 1.50
